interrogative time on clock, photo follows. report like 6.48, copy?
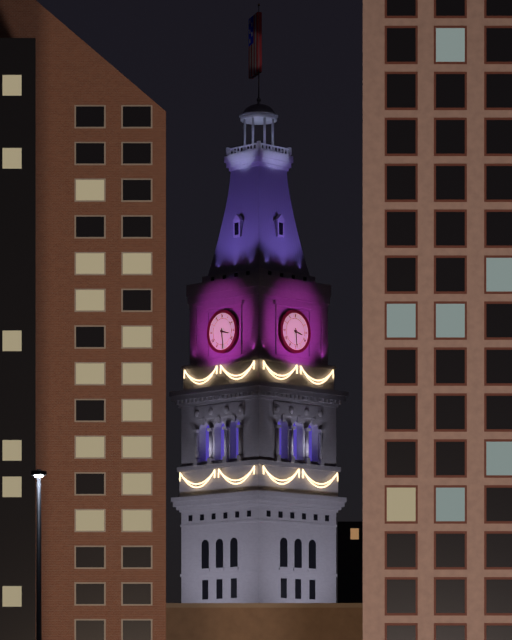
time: 3.29
